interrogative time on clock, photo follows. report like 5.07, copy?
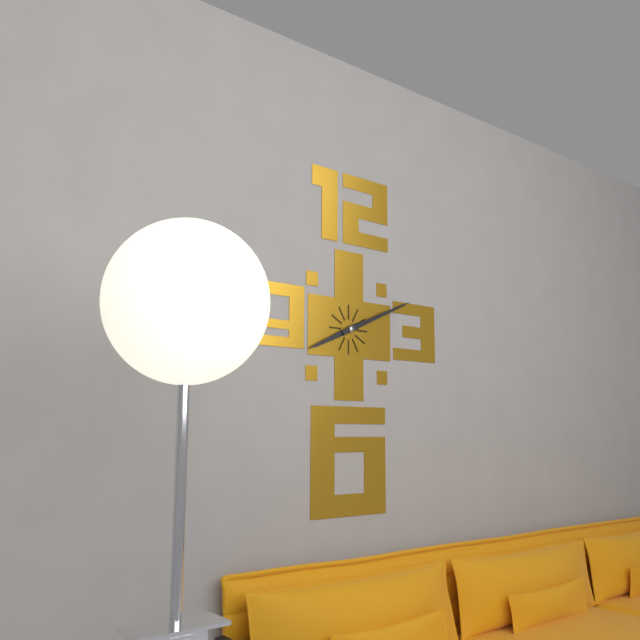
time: 8.11
